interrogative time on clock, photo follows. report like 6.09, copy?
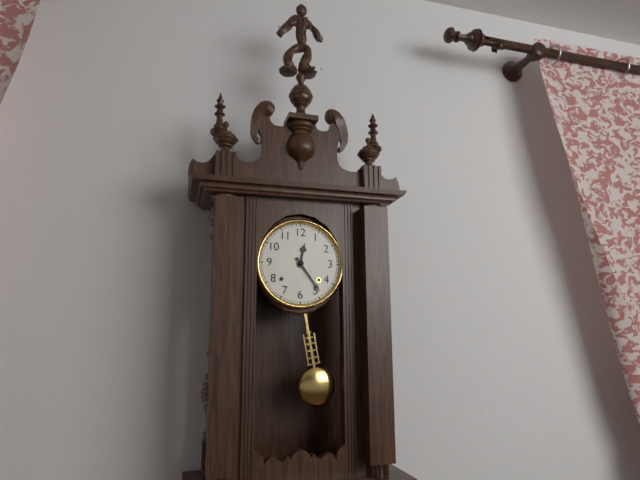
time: 12.24
